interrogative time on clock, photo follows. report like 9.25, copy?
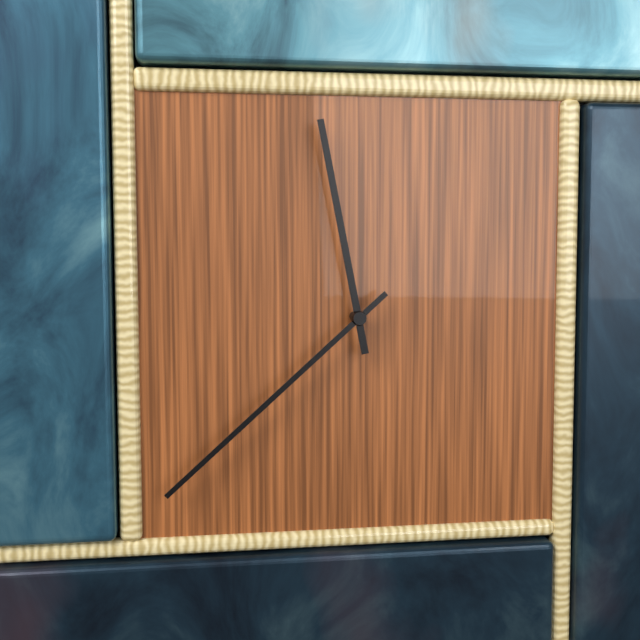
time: 11.38
